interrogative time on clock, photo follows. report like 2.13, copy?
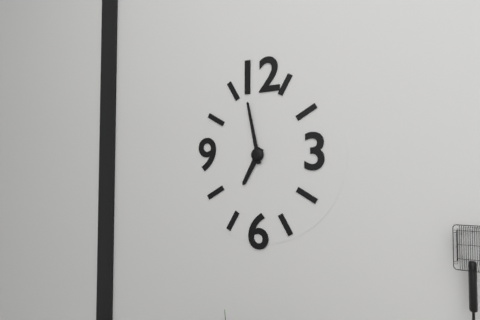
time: 6.58
